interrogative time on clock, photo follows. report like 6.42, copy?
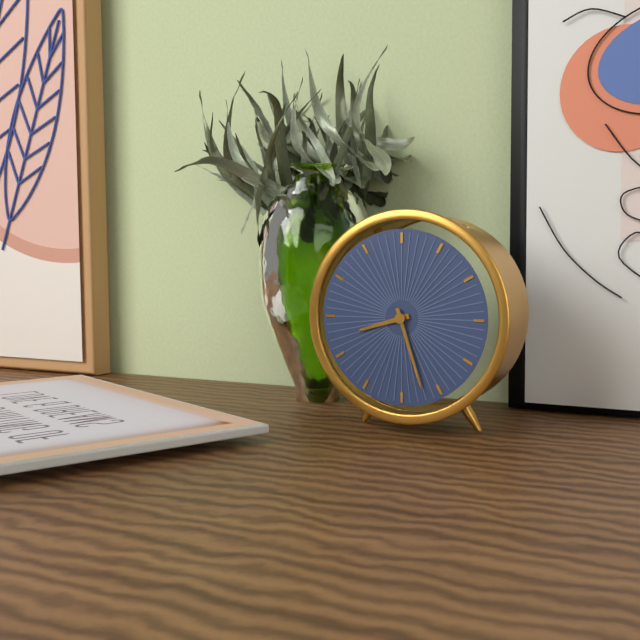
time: 8.27
